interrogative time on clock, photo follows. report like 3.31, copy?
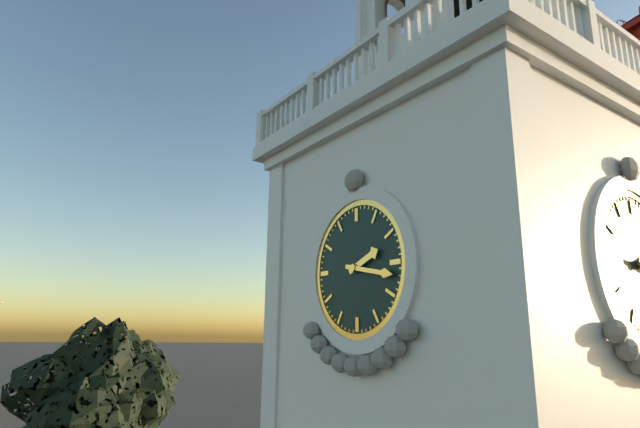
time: 2.17
